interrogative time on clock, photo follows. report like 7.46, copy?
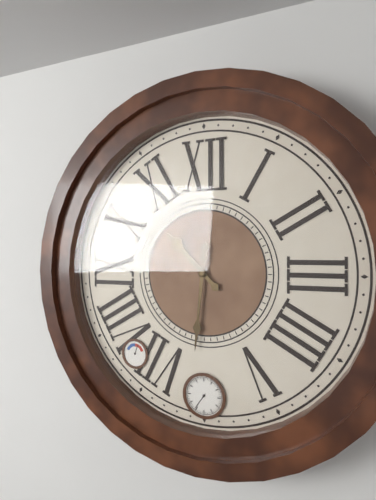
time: 10.31
